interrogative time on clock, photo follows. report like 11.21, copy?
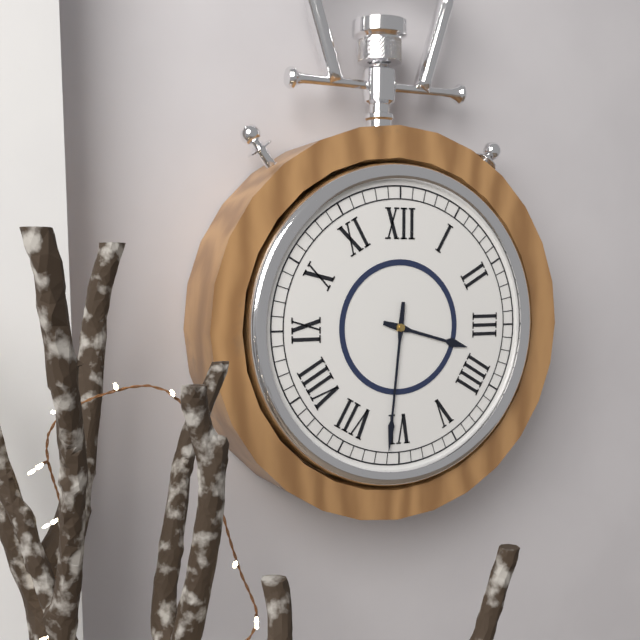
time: 3.31
